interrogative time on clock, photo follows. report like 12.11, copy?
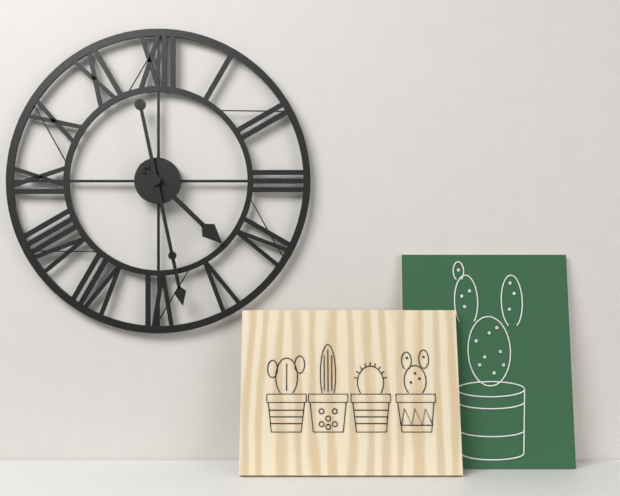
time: 4.28
